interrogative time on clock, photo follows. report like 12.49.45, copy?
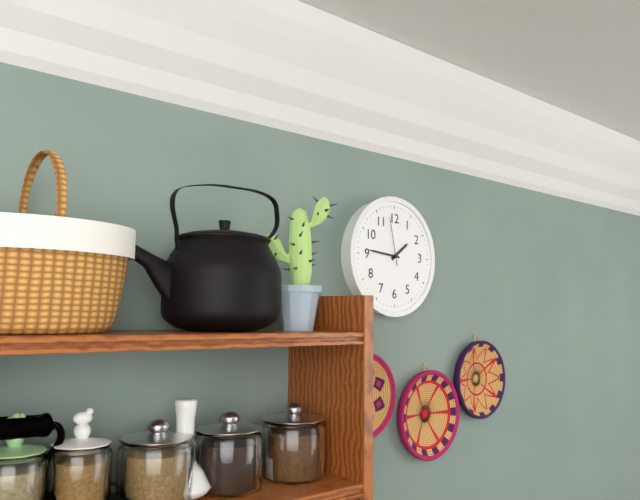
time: 1.46.58
